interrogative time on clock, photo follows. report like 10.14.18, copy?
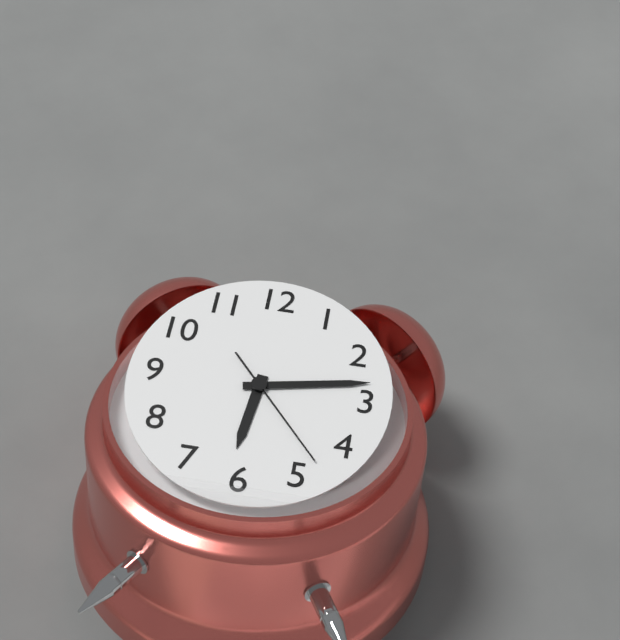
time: 6.13.23
